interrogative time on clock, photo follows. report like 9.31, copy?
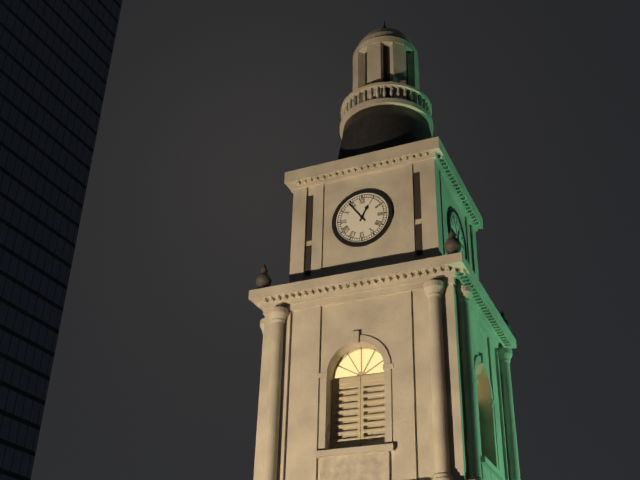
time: 12.54
